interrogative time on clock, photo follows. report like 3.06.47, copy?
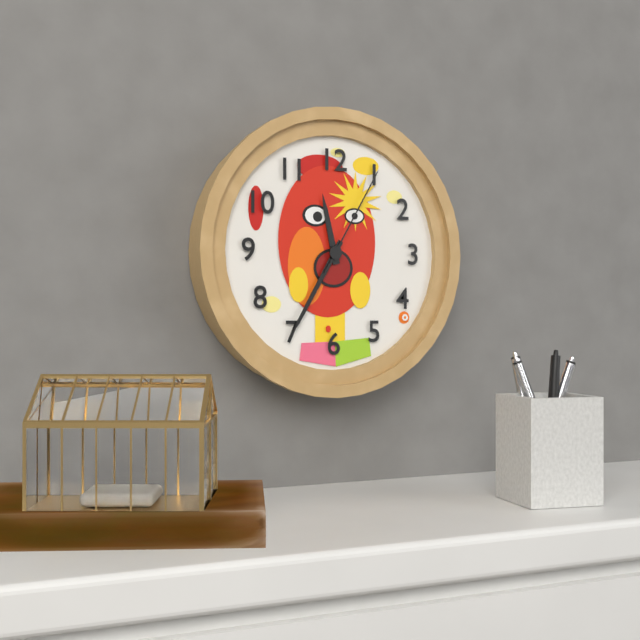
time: 11.35.05
